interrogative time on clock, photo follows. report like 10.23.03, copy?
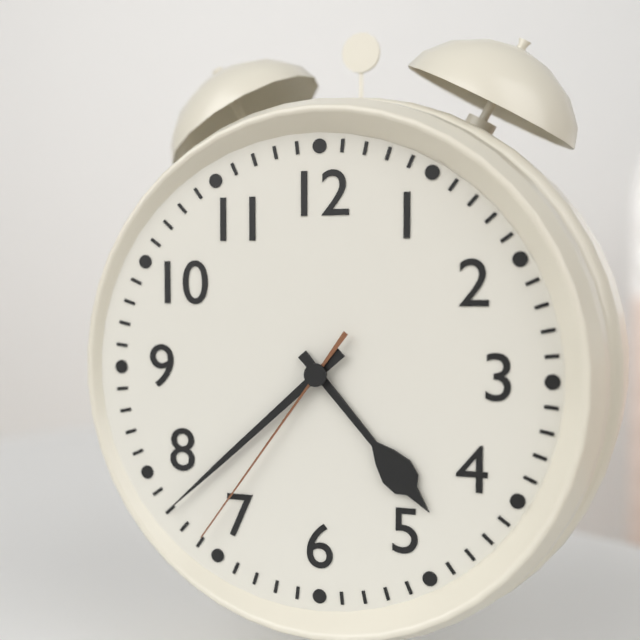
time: 4.38.36
